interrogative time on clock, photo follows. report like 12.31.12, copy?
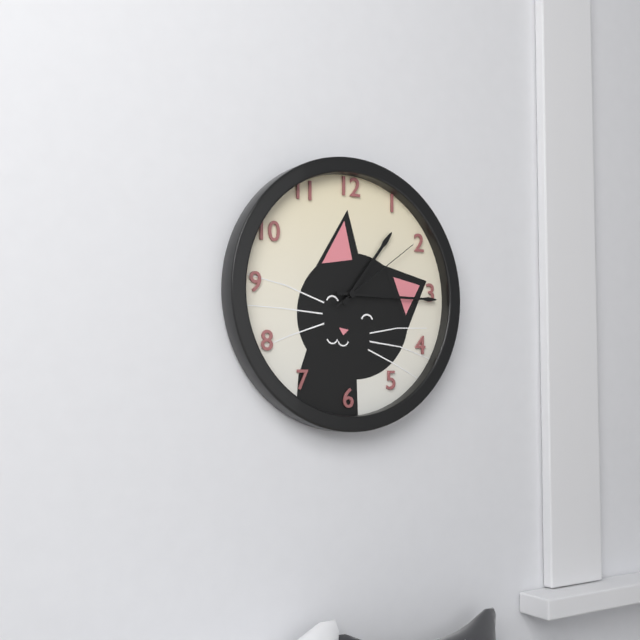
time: 1.15.09
